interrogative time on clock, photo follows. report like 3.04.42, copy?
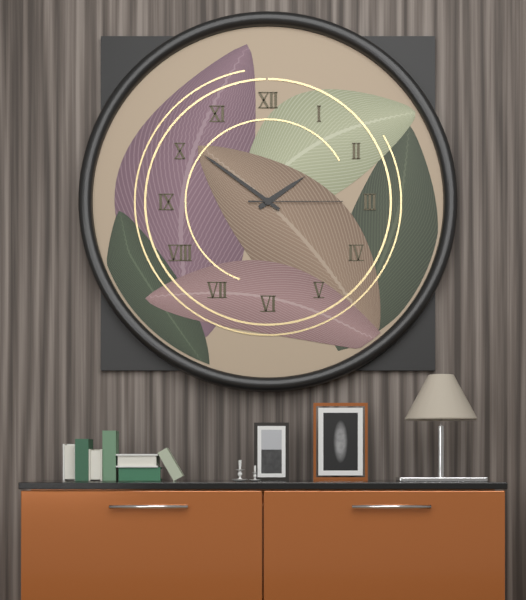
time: 1.51.15
